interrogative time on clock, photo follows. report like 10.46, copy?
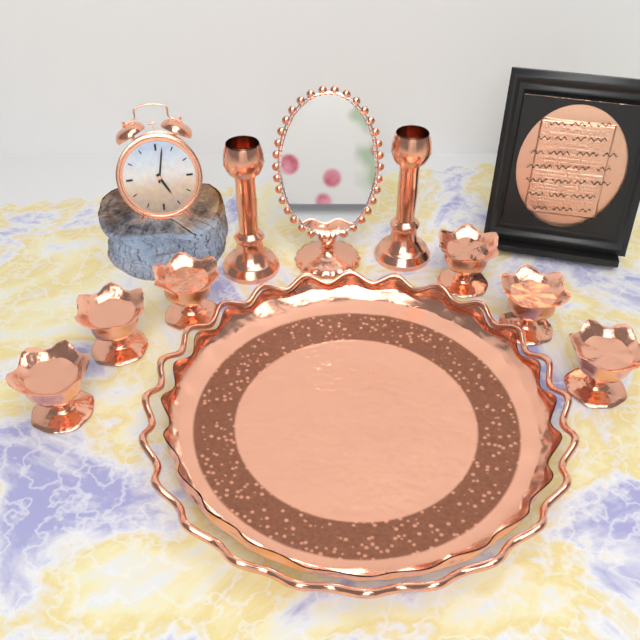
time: 5.02
